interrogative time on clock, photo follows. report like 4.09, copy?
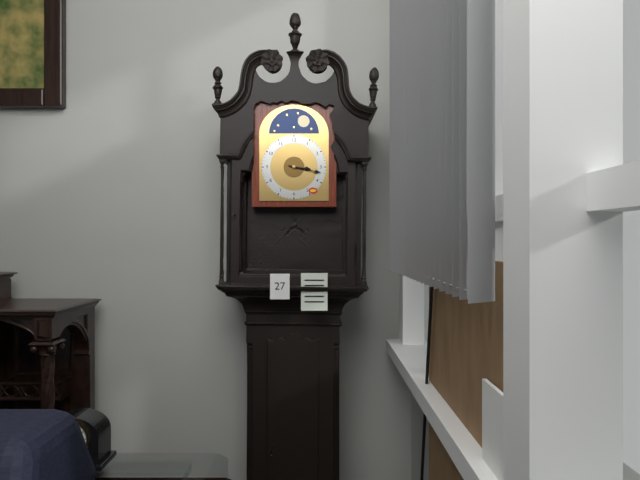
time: 3.17
